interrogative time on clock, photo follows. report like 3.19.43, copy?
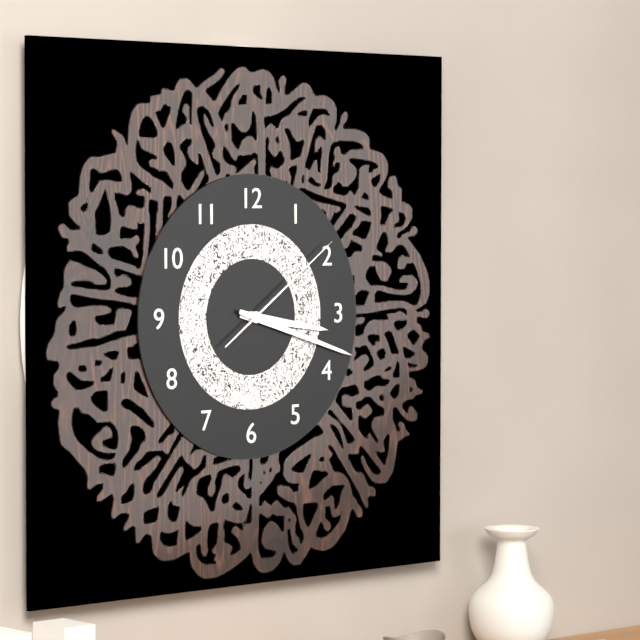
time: 3.18.09
